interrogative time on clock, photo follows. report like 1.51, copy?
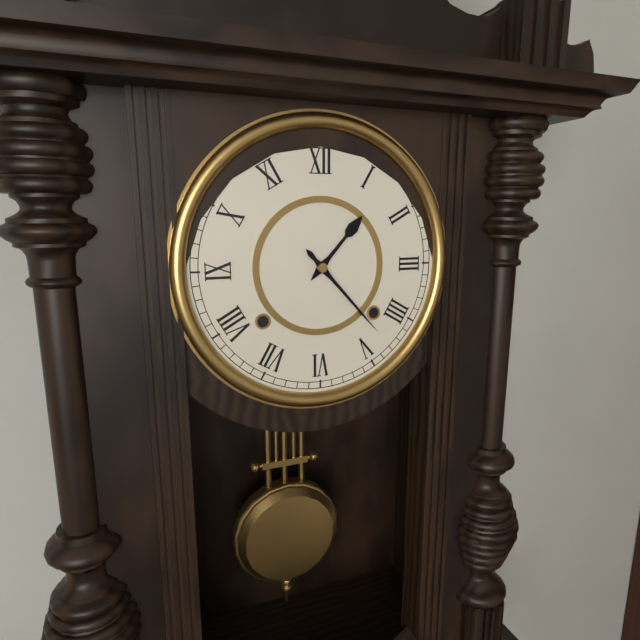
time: 1.23
